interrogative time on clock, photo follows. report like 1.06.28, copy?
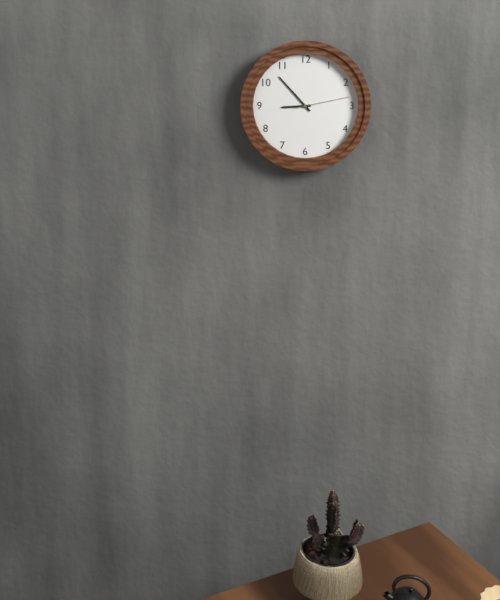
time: 8.53.13
